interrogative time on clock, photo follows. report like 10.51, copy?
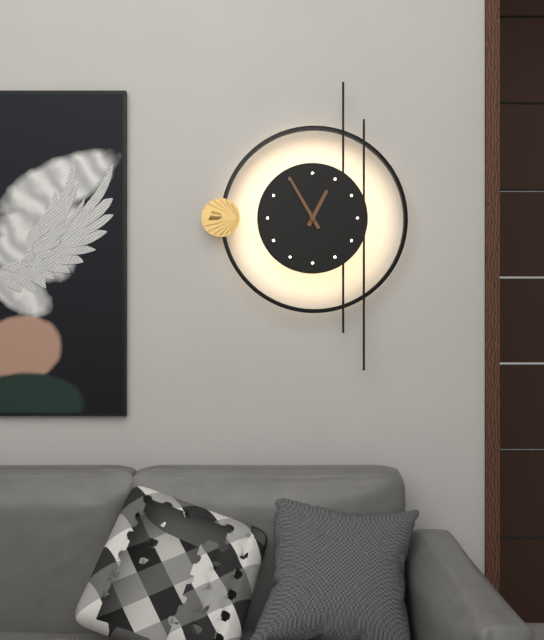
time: 12.55
